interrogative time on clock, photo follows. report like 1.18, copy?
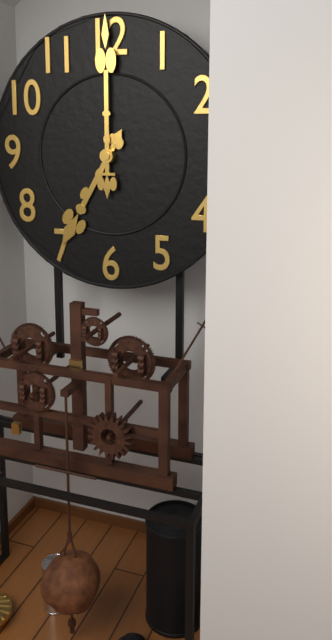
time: 7.00
